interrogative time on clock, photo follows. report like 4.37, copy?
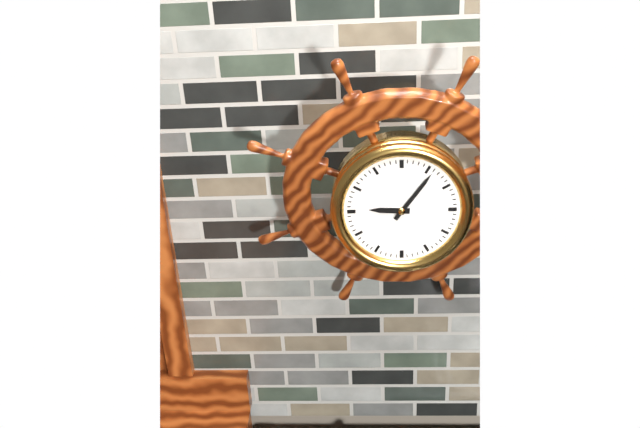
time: 9.06
